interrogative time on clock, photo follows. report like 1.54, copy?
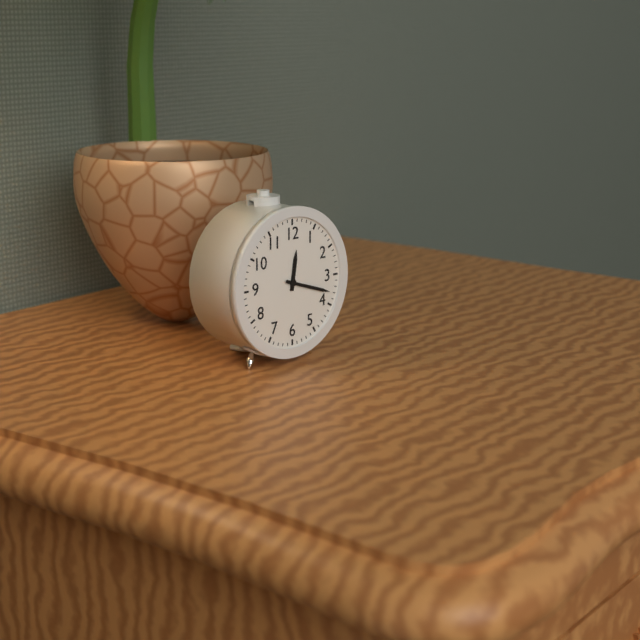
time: 12.18
